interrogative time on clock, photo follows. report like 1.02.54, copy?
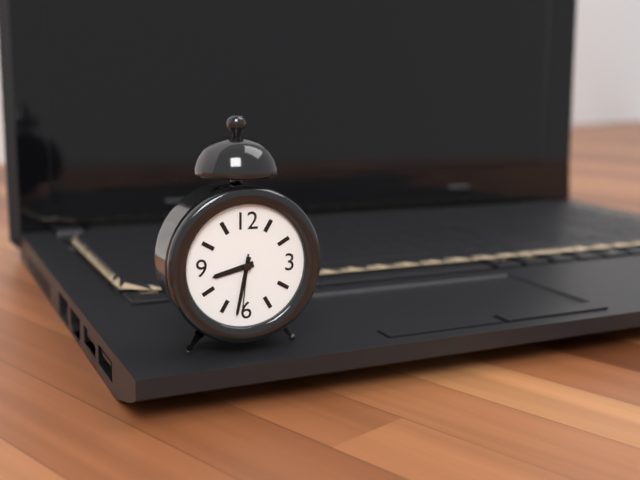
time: 8.32.31
